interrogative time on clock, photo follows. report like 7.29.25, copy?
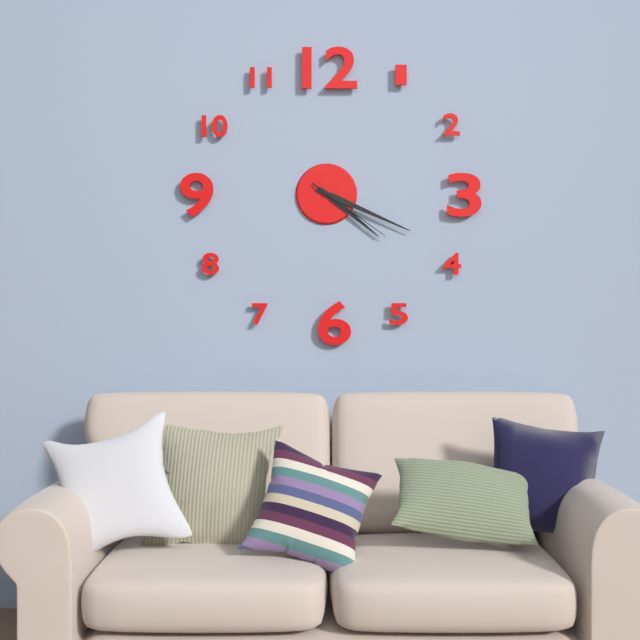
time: 4.19.21
